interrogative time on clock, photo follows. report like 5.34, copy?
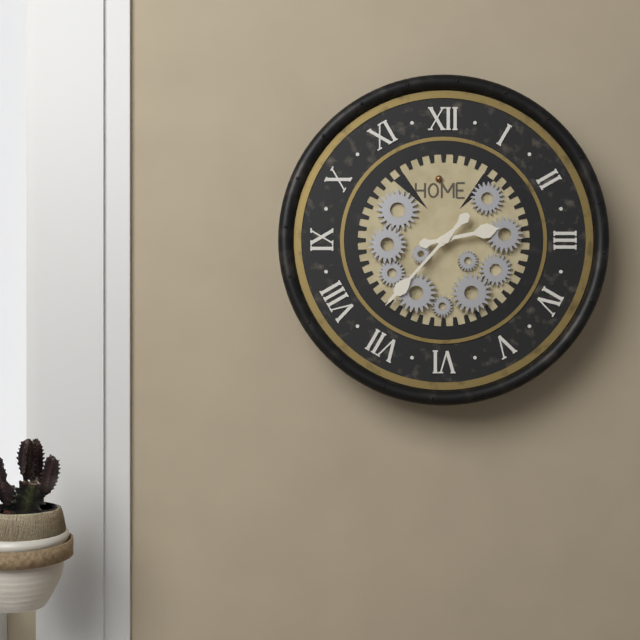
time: 2.37
